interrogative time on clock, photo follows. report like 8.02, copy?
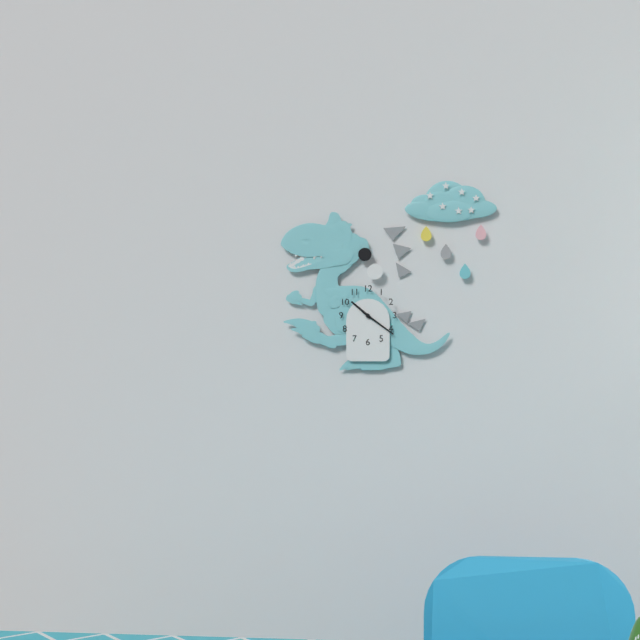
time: 10.21
